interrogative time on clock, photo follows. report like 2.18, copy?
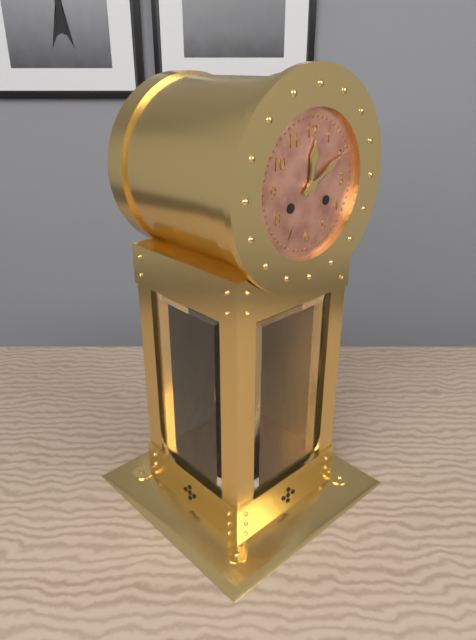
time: 12.10
